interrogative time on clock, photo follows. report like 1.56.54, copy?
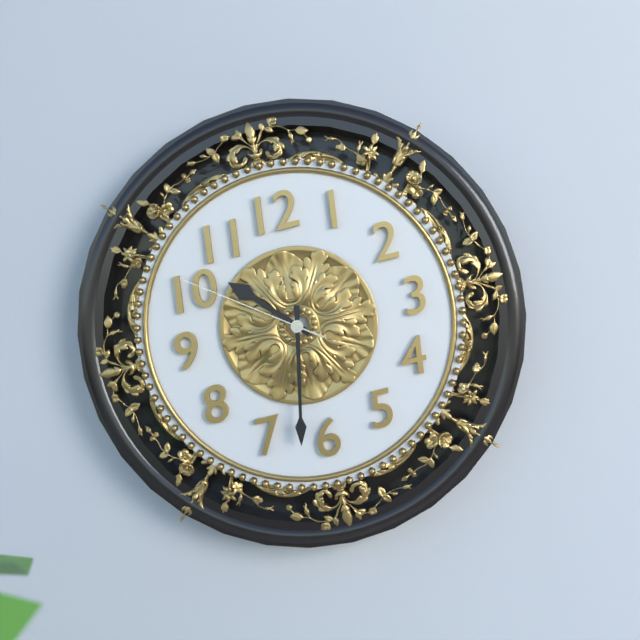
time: 10.32.51
